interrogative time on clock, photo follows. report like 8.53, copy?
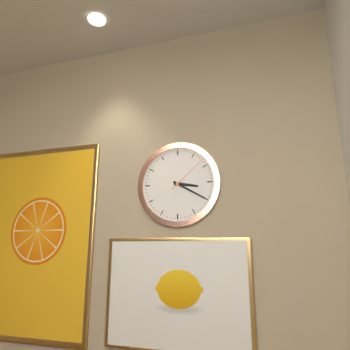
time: 3.20
